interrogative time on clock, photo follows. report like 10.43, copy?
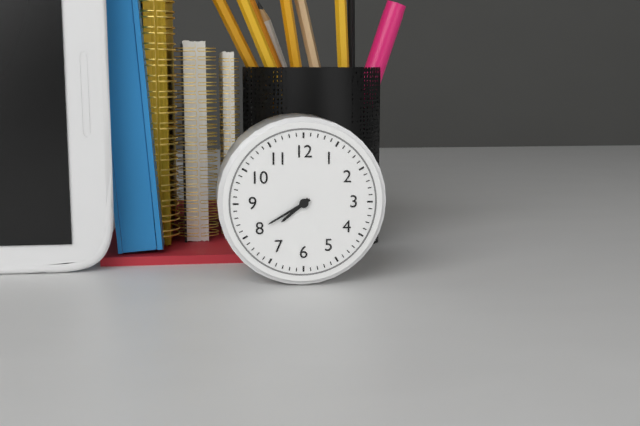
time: 7.40
